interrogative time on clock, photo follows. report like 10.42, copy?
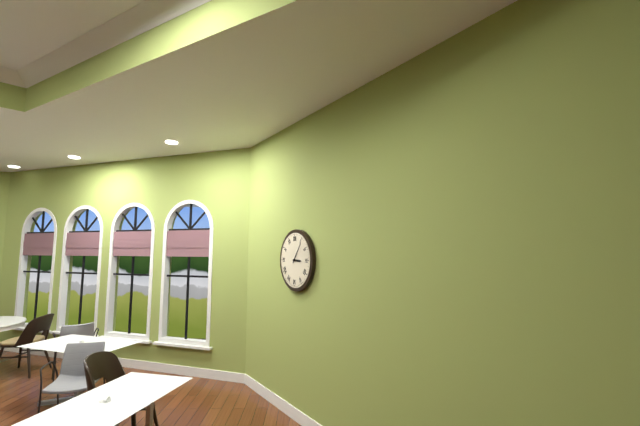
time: 3.06
